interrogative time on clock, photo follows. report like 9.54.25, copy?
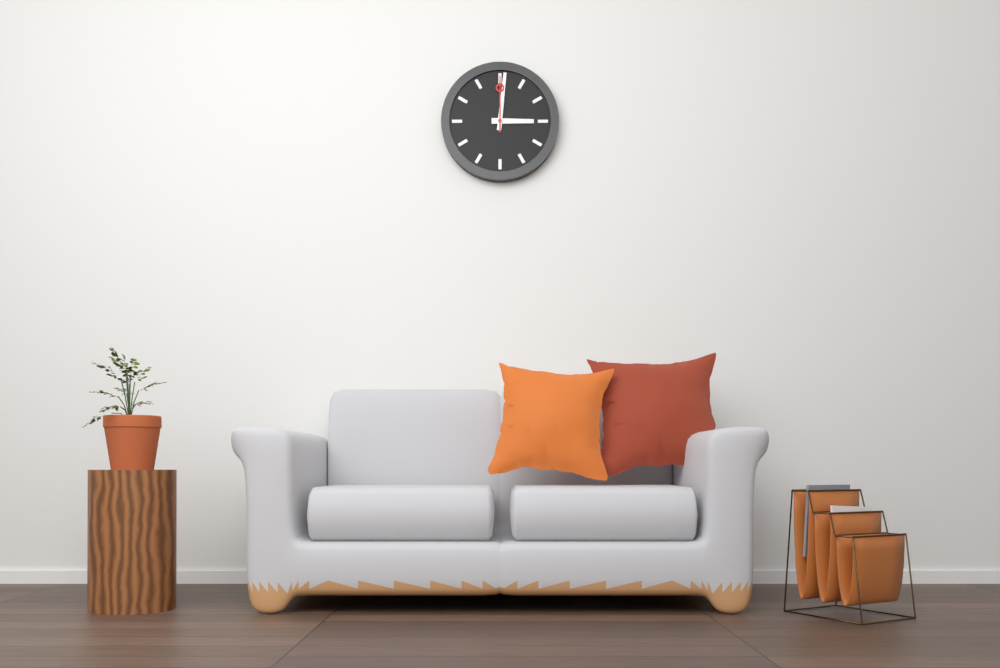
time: 3.01.00
